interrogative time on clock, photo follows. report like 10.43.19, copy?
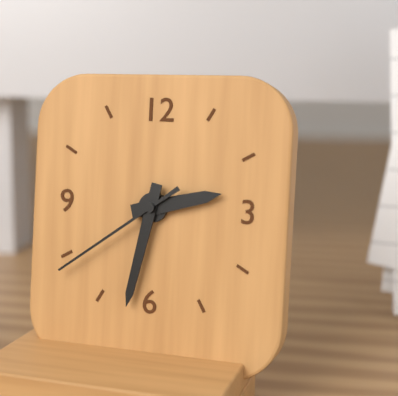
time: 2.32.39
